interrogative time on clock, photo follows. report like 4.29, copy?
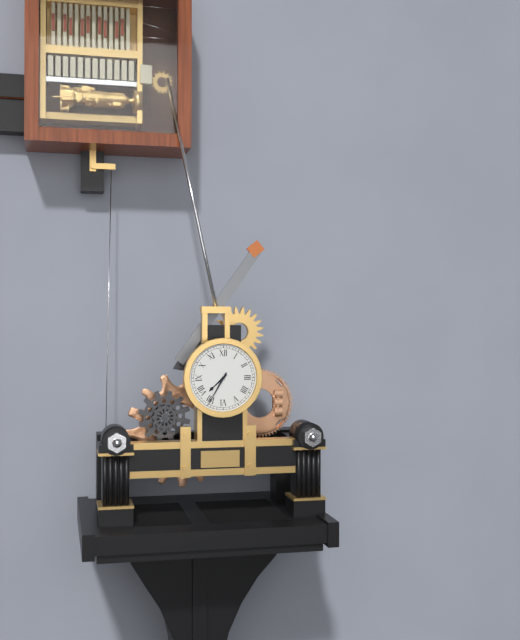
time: 7.35
